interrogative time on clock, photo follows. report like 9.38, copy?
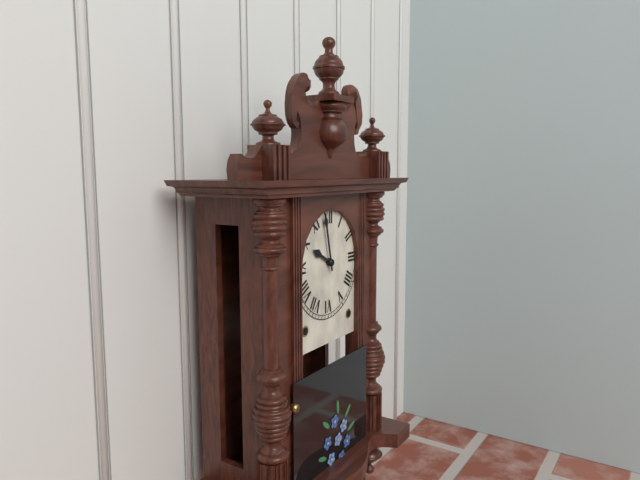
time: 9.58
